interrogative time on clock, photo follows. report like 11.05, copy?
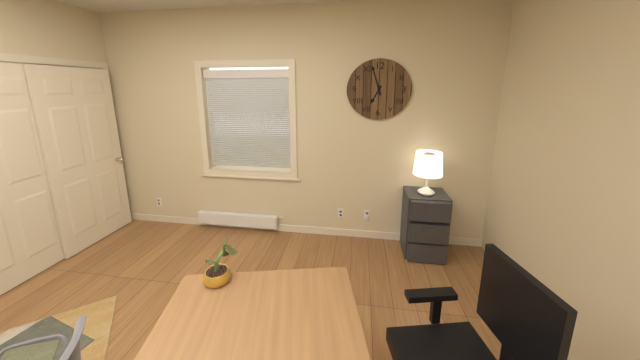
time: 6.57
